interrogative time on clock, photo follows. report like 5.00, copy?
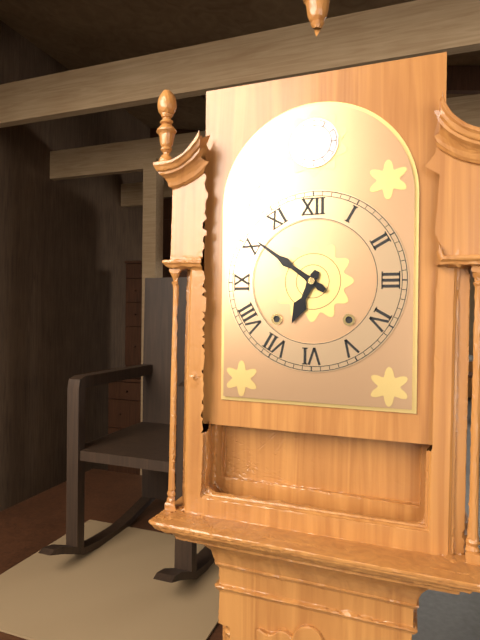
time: 6.51
